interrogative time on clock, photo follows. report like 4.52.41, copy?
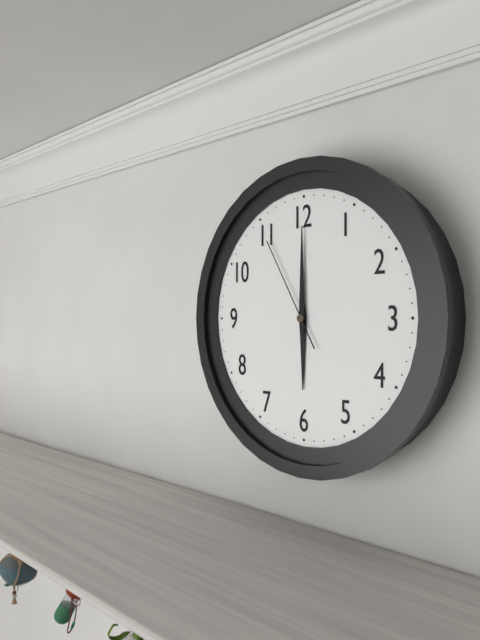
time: 6.00.55
